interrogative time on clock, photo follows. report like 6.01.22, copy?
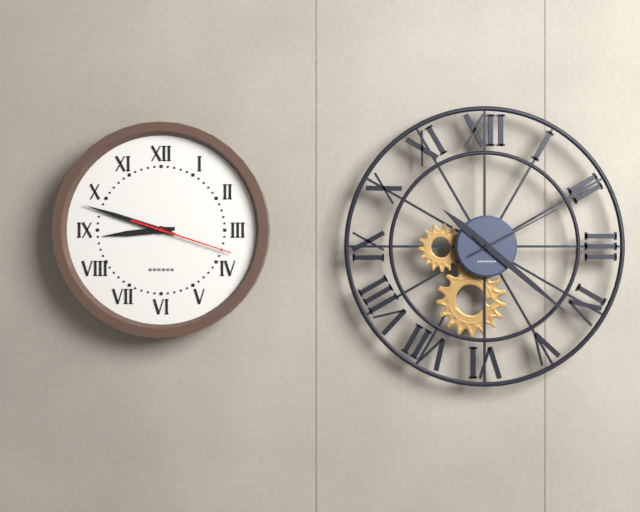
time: 8.48.18
